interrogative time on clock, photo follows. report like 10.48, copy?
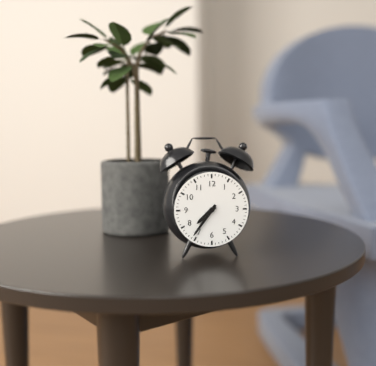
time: 7.36
